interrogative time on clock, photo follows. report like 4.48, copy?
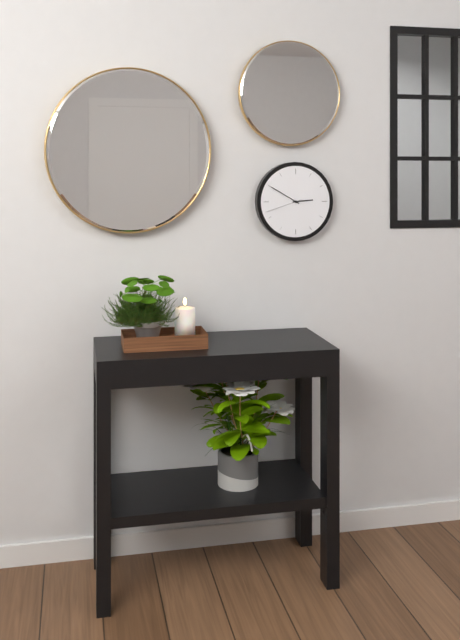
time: 2.50
